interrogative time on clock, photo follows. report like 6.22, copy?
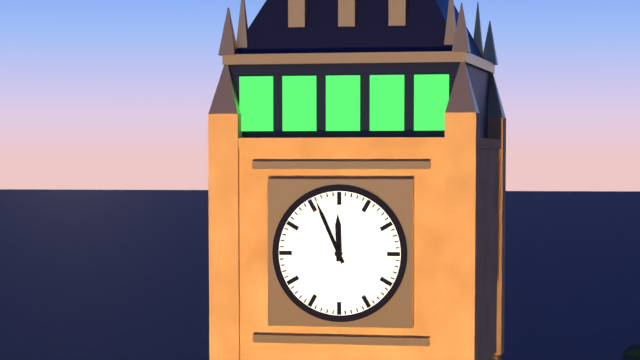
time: 11.56
